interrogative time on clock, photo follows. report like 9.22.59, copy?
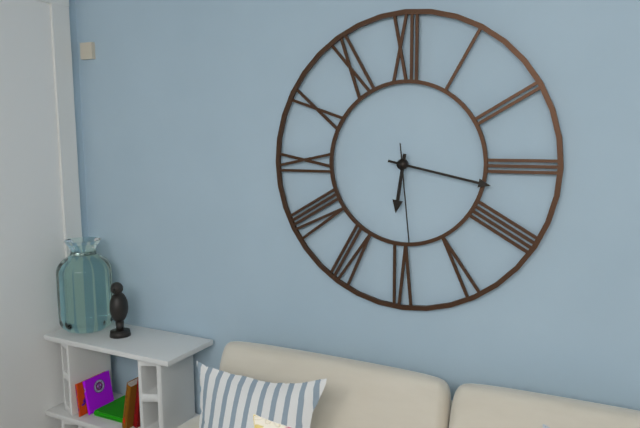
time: 6.17.29
